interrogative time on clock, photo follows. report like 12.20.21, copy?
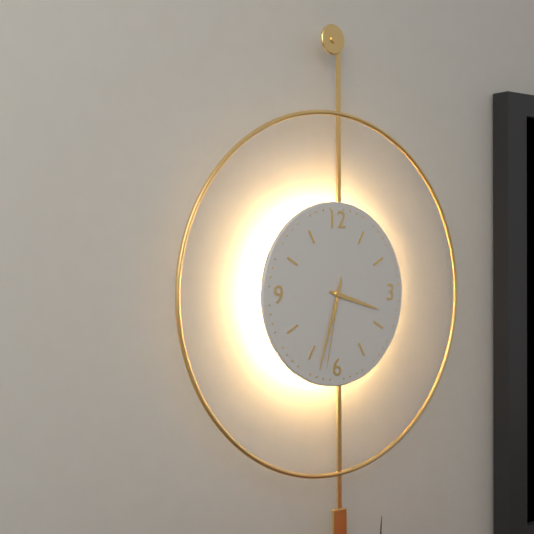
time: 3.33.32
